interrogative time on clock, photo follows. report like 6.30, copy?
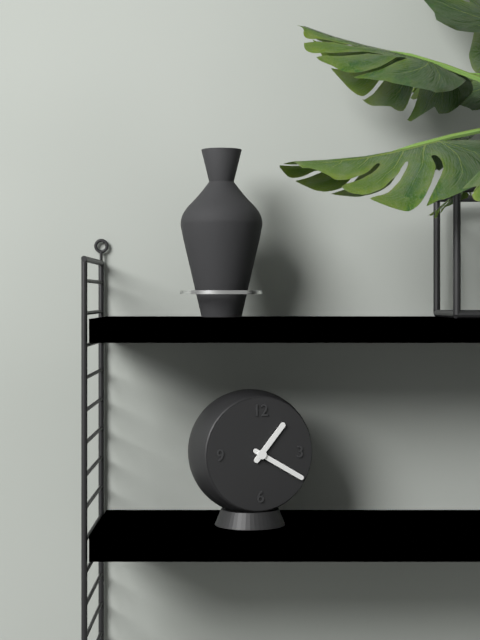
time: 1.20
